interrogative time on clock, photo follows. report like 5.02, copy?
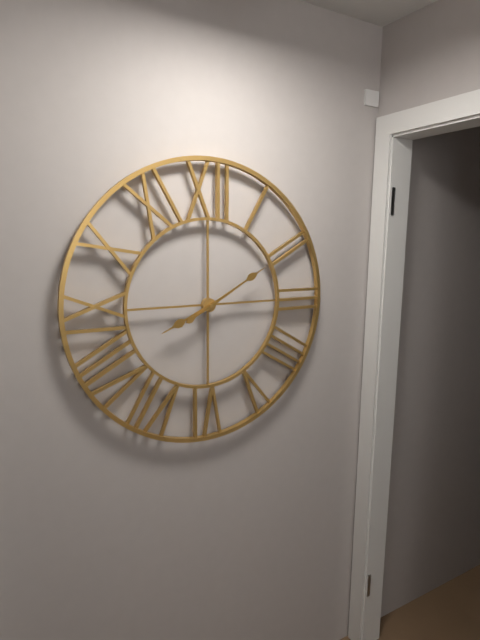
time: 8.10
